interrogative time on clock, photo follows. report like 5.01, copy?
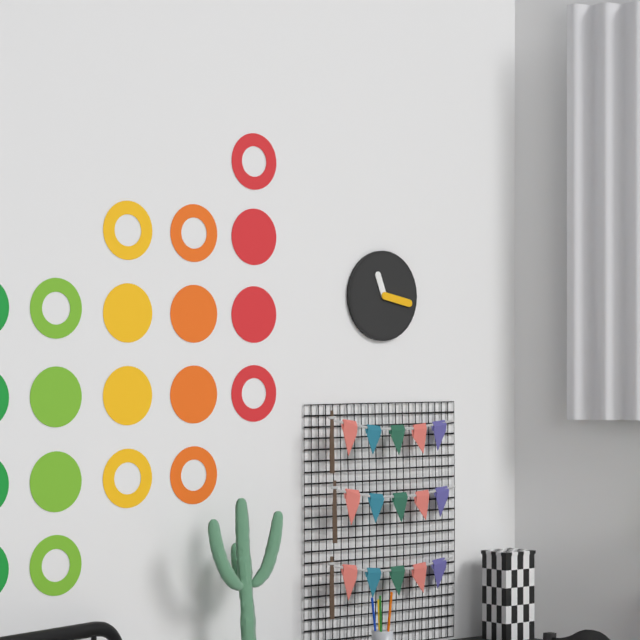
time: 11.17
